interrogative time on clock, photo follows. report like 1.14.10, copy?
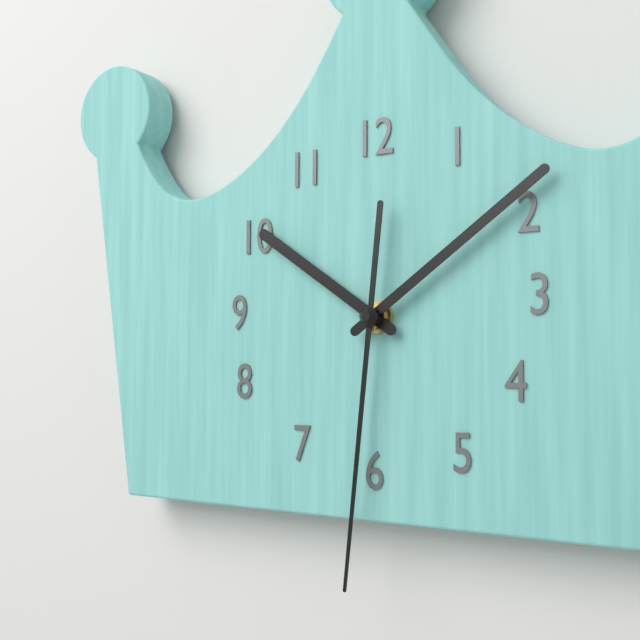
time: 10.09.31
